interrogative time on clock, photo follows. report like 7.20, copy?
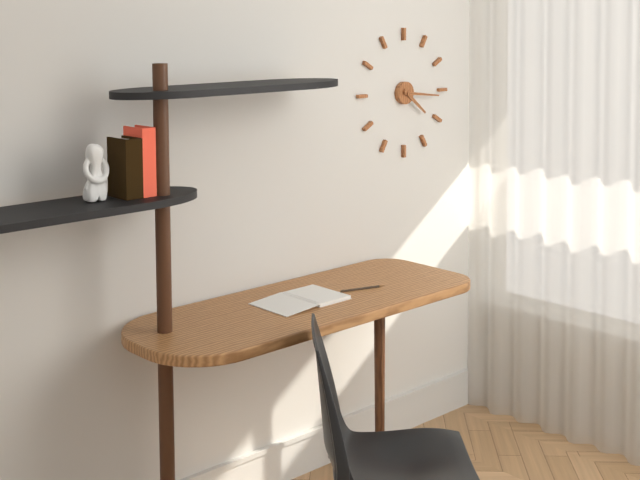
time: 4.16
